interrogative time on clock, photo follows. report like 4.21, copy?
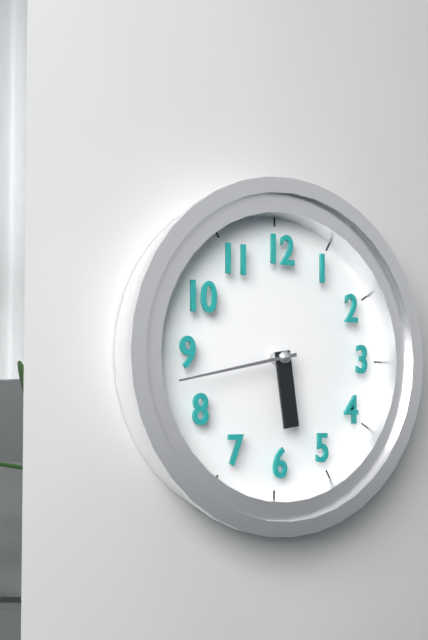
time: 5.43
